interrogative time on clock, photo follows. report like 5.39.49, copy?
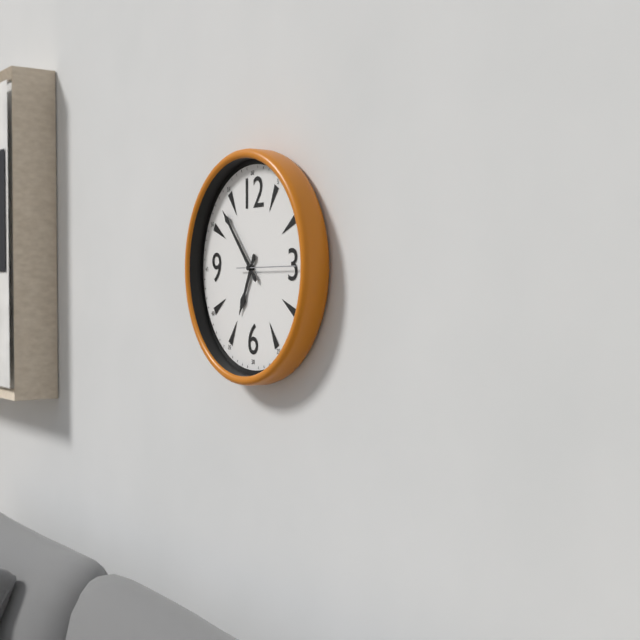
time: 6.53.15
